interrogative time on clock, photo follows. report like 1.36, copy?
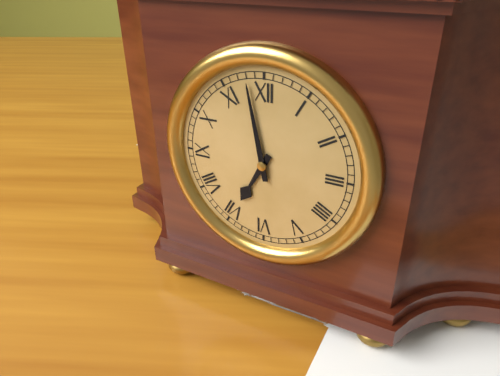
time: 6.58
